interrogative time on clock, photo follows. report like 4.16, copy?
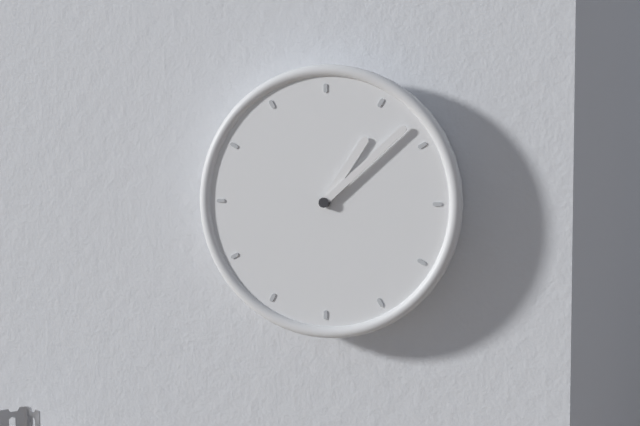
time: 1.08
